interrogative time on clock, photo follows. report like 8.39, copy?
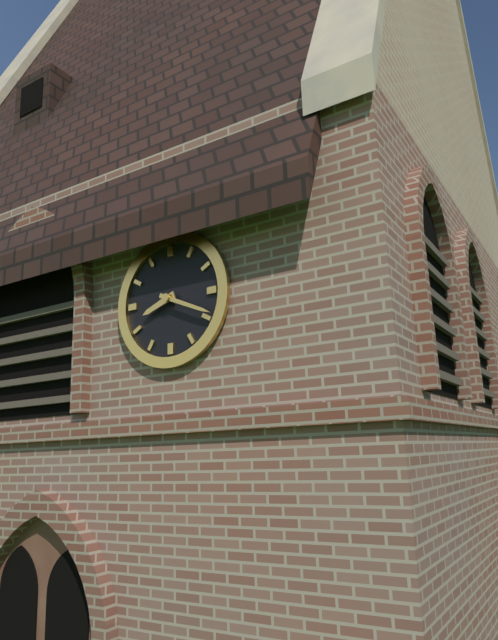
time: 8.19
